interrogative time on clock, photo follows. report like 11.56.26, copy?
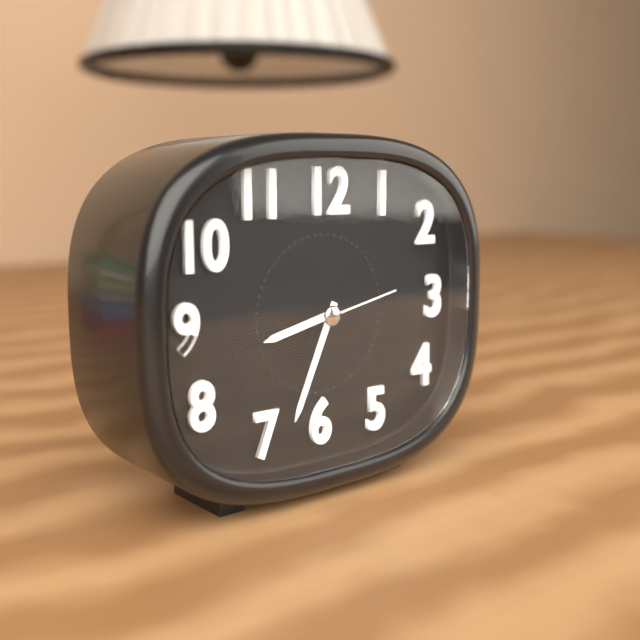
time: 8.34.13
